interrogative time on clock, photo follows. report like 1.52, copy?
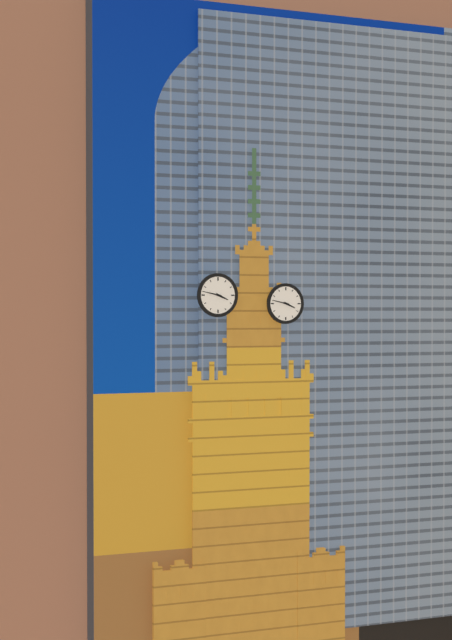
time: 3.47
